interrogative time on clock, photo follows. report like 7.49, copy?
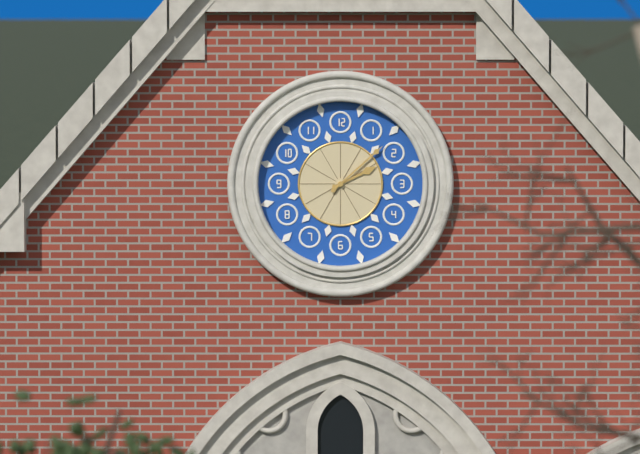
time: 2.08
